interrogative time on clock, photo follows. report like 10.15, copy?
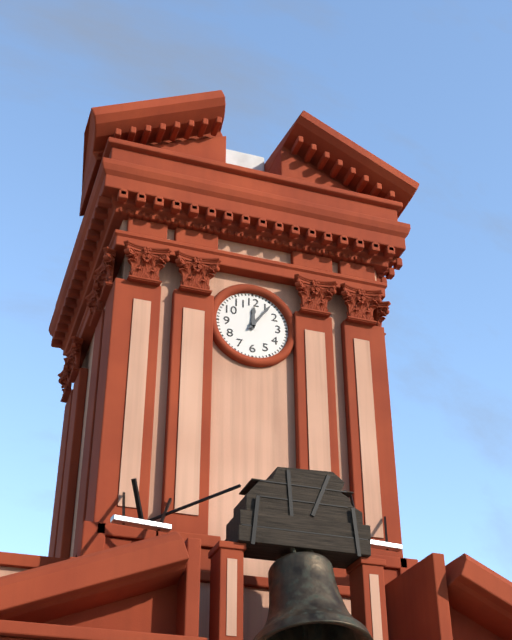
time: 12.06
